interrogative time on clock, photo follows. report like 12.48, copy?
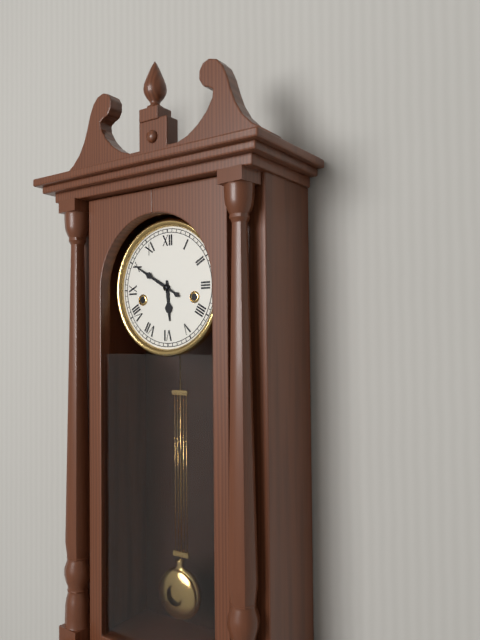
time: 5.50
